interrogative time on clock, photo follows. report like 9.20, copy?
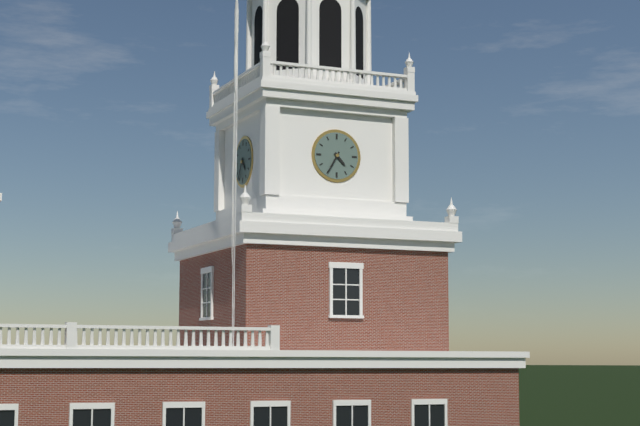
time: 4.35
